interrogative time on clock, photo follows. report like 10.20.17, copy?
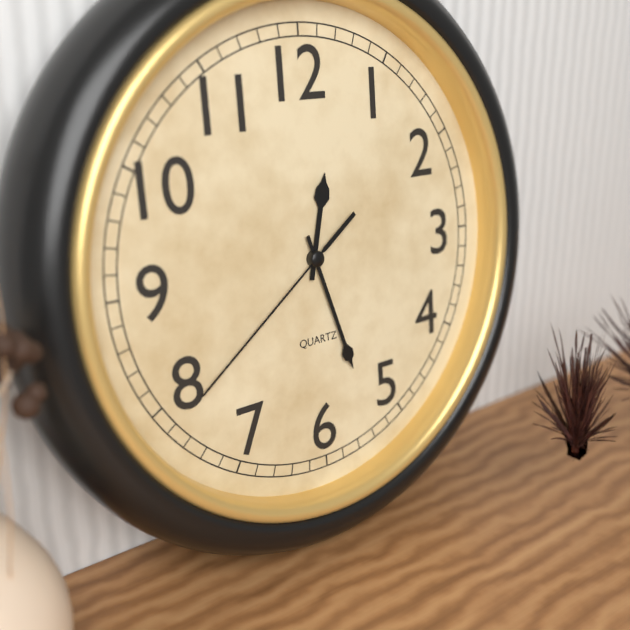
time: 12.27.39
